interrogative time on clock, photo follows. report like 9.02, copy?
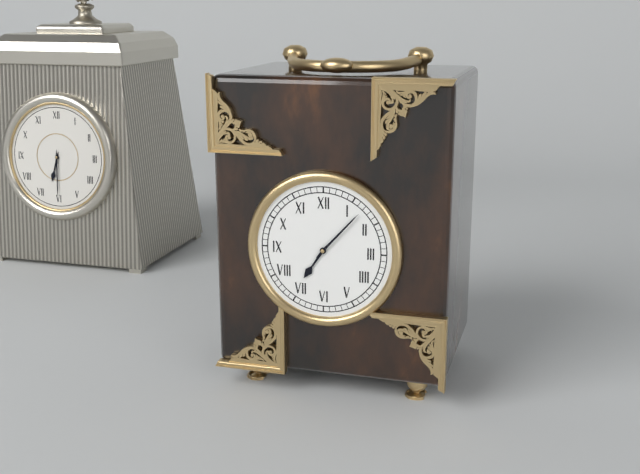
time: 7.07
